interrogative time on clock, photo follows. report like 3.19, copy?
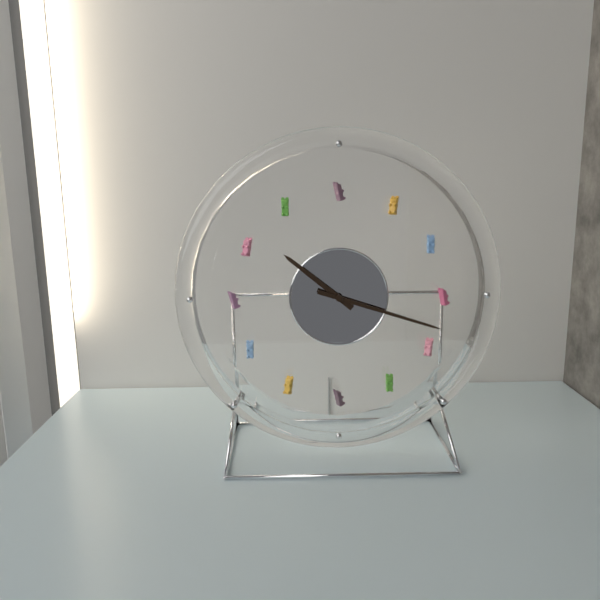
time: 10.18
